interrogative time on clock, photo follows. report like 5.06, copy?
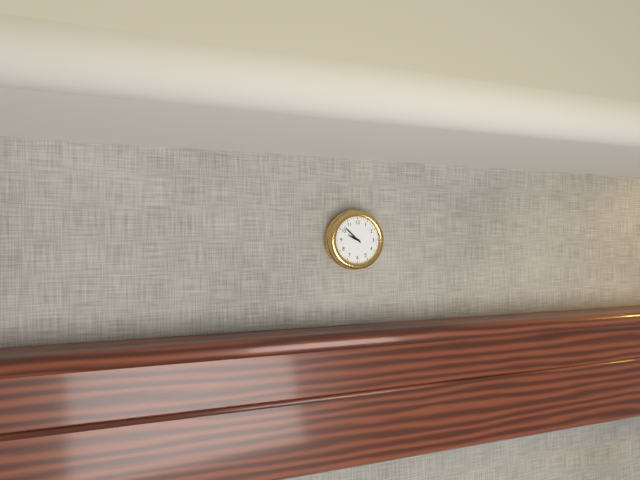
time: 9.52
